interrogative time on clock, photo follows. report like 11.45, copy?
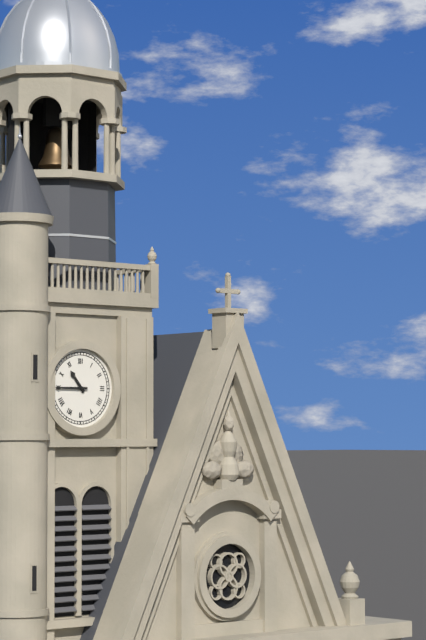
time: 10.45
